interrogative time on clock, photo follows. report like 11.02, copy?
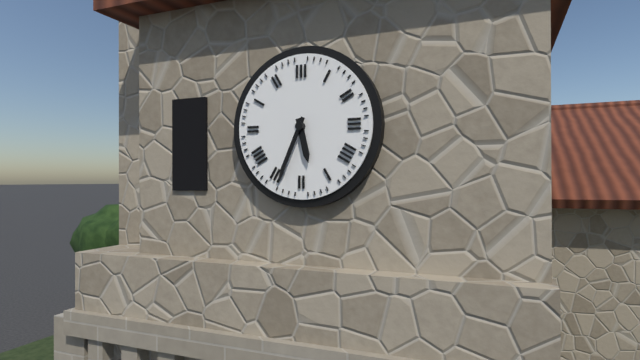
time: 5.34
